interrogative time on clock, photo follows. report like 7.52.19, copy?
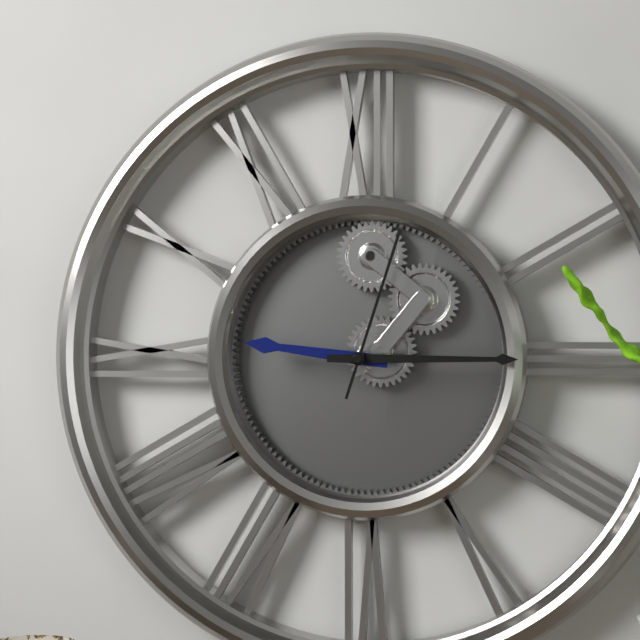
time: 9.15.03
